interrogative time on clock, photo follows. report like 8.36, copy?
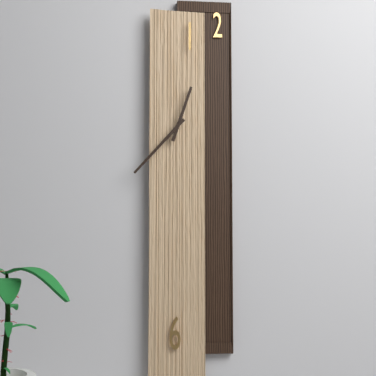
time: 12.37
